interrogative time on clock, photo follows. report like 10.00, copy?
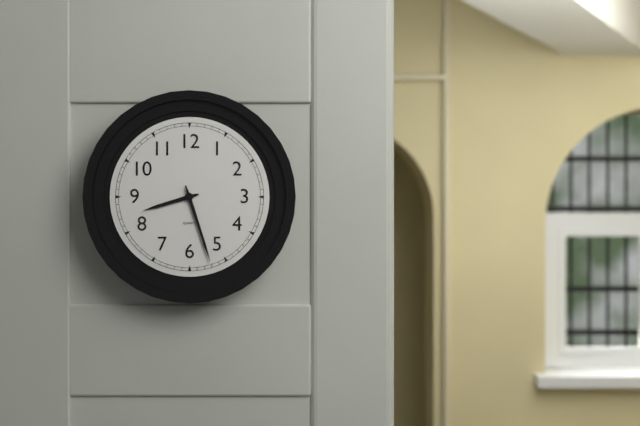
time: 8.27
